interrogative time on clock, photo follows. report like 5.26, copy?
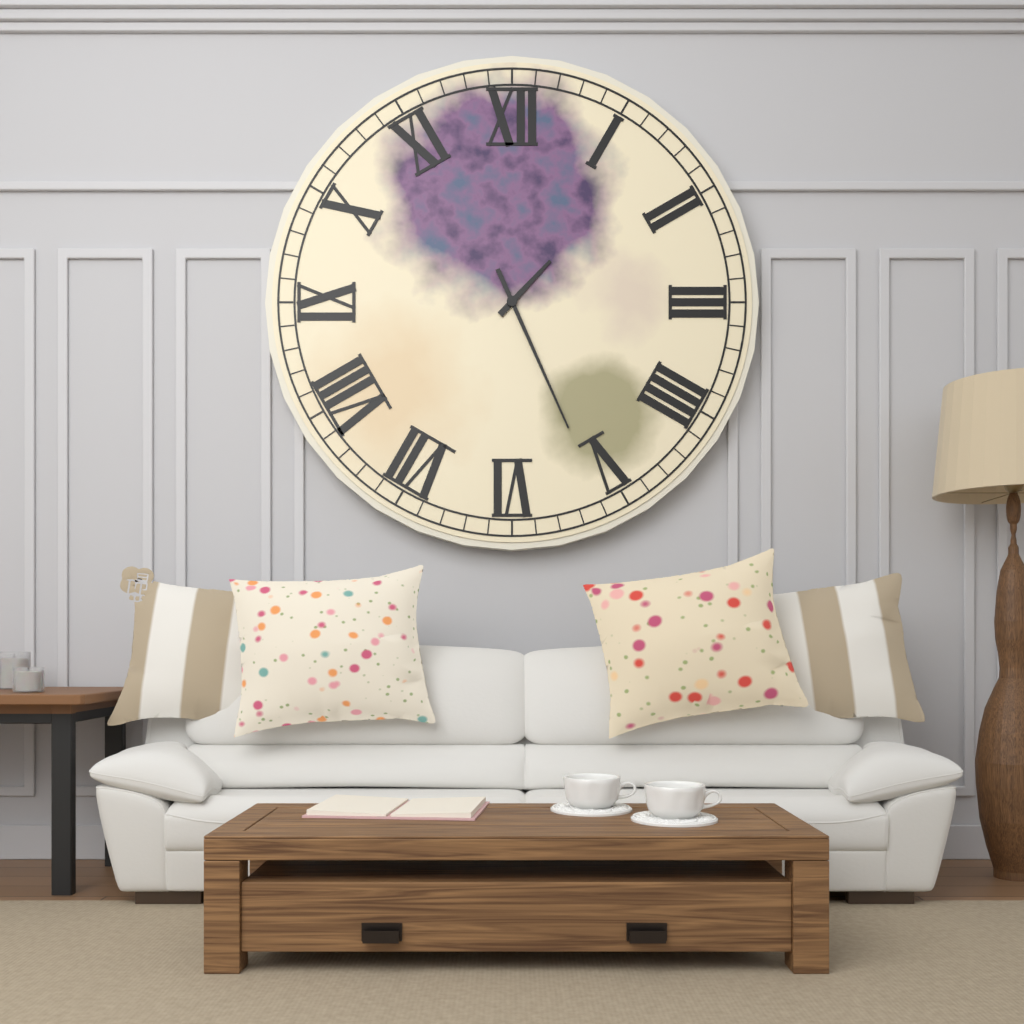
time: 1.26
